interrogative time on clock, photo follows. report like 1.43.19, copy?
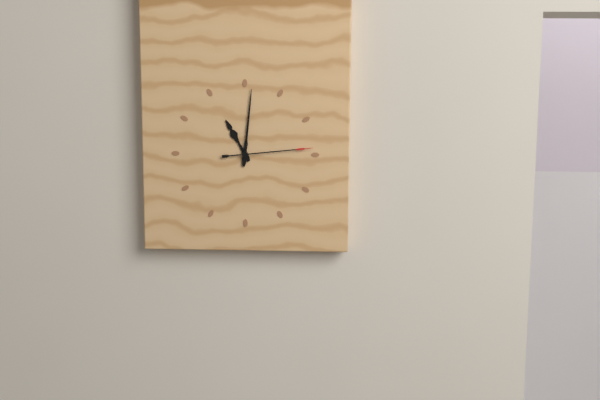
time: 11.01.14
